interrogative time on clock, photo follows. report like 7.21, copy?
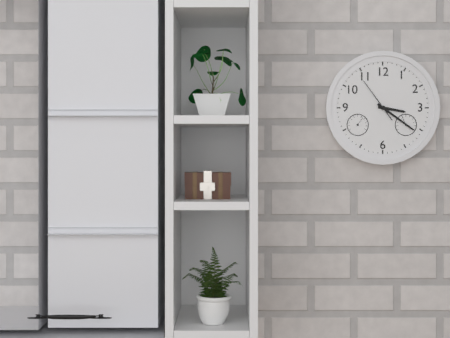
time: 3.21
